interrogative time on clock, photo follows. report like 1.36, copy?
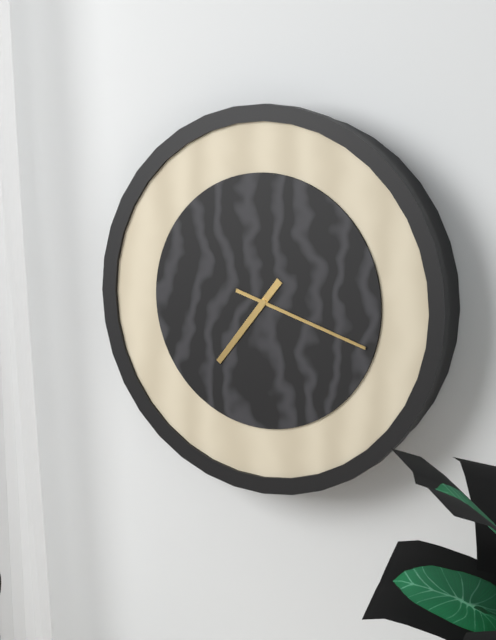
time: 7.18
